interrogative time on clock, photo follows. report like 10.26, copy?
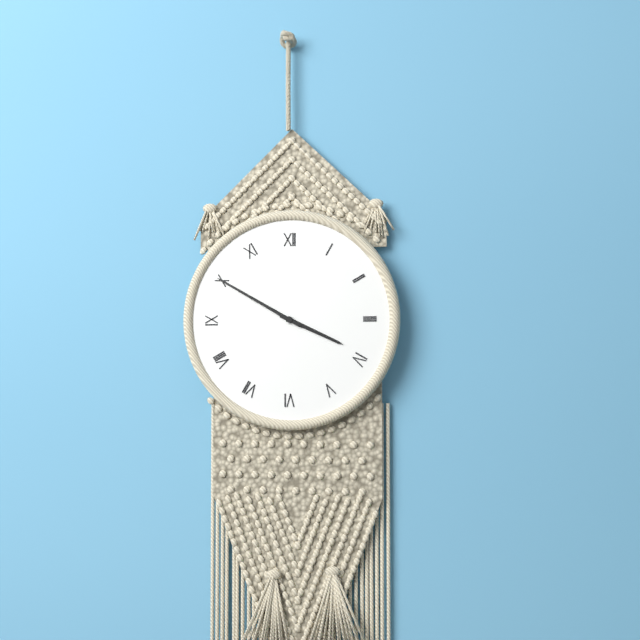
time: 3.50
